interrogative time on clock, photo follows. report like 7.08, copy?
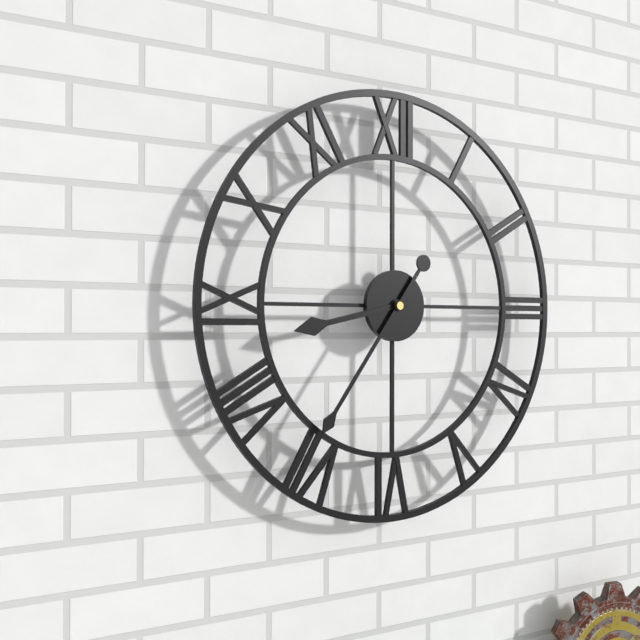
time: 8.36
